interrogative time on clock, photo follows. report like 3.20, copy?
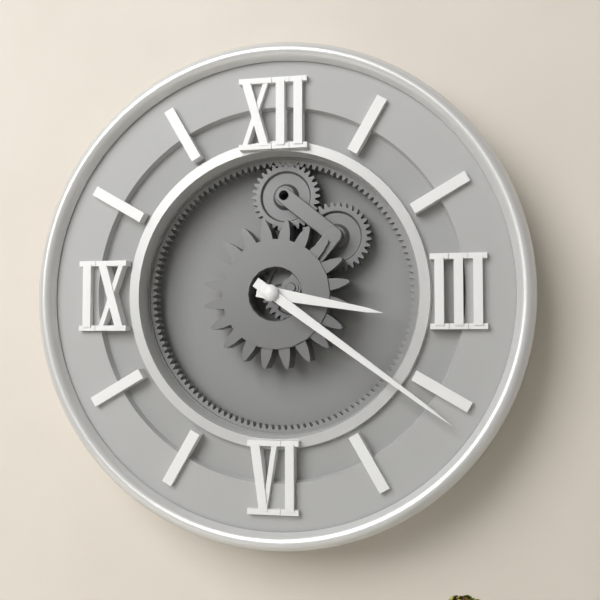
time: 3.21
